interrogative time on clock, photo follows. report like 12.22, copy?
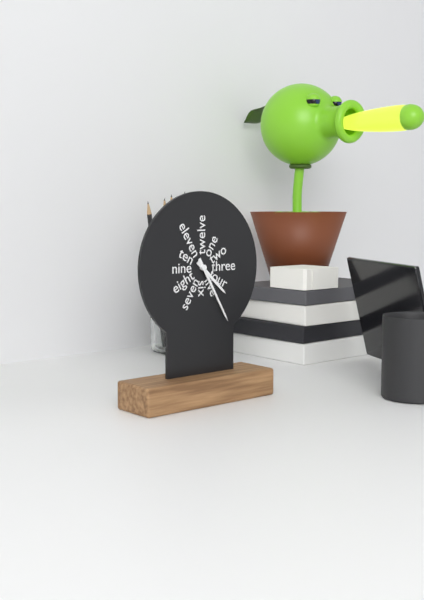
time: 4.25
